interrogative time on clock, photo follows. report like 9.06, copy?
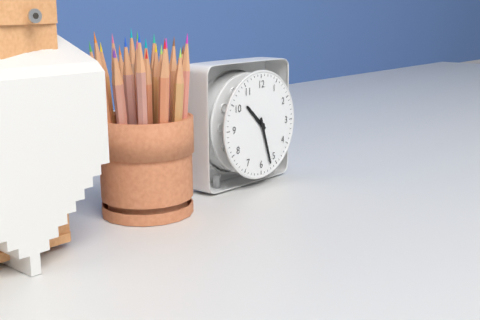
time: 10.27
